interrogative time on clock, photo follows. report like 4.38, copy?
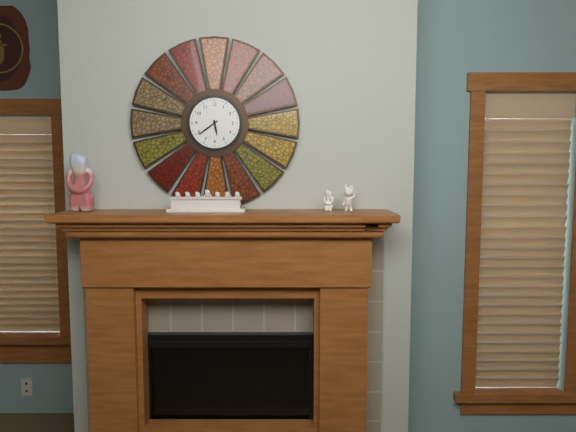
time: 5.39
